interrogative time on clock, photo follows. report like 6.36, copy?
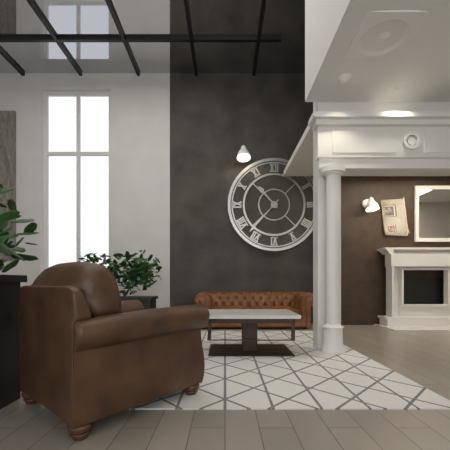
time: 10.37
